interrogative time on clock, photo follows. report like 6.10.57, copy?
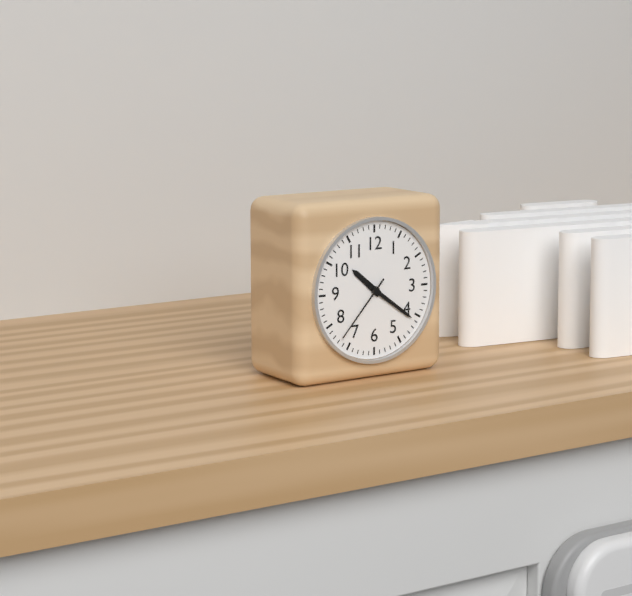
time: 10.21.37
